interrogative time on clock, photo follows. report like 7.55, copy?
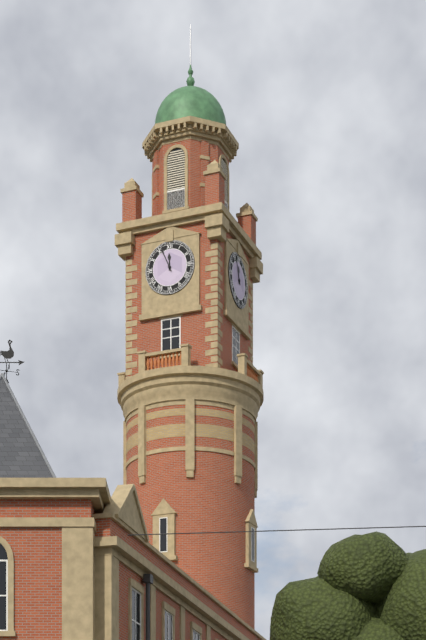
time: 11.56
